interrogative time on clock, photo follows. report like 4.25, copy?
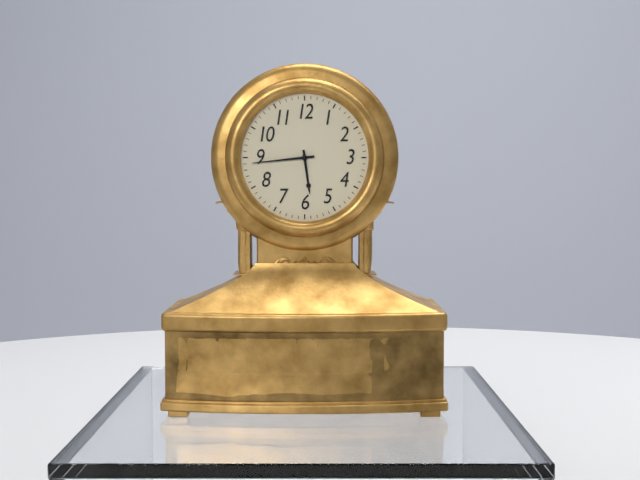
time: 5.44
